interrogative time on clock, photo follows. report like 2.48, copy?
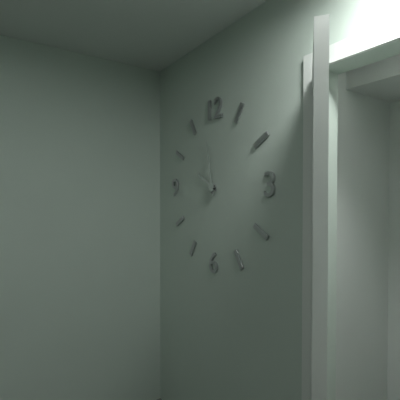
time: 9.58
